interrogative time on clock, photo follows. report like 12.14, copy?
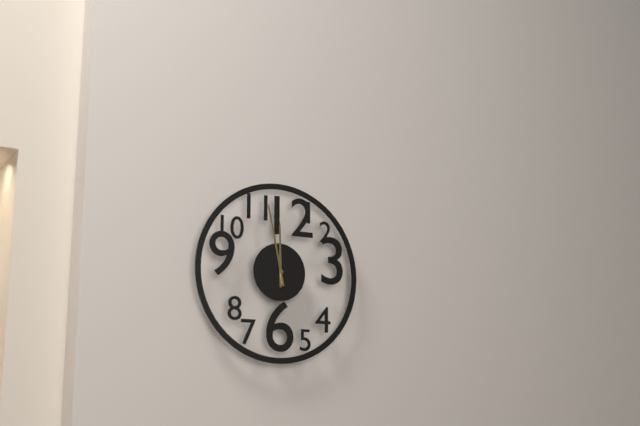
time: 11.58
